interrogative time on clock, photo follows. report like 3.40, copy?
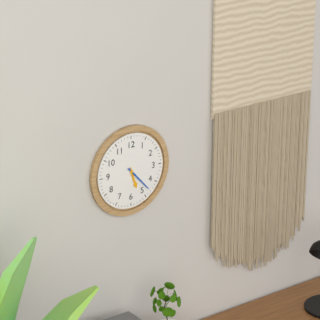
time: 5.23
